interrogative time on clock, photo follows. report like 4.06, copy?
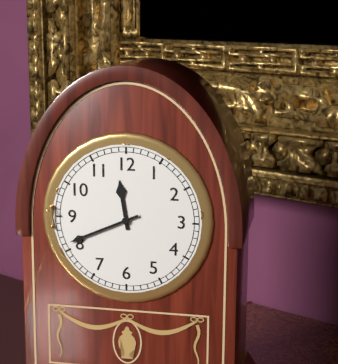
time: 11.41
